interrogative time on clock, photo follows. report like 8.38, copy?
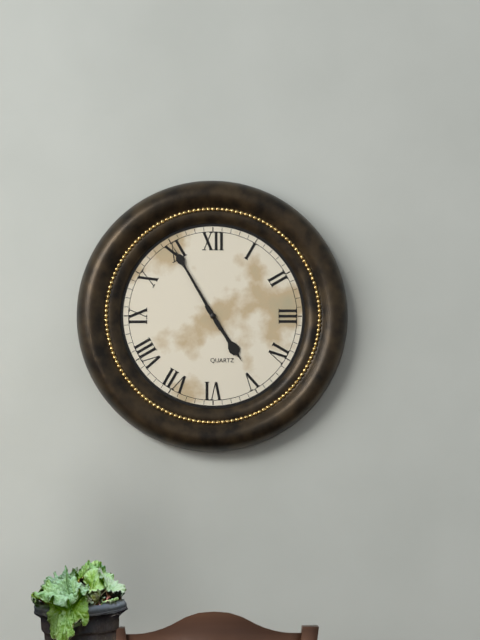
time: 4.55
